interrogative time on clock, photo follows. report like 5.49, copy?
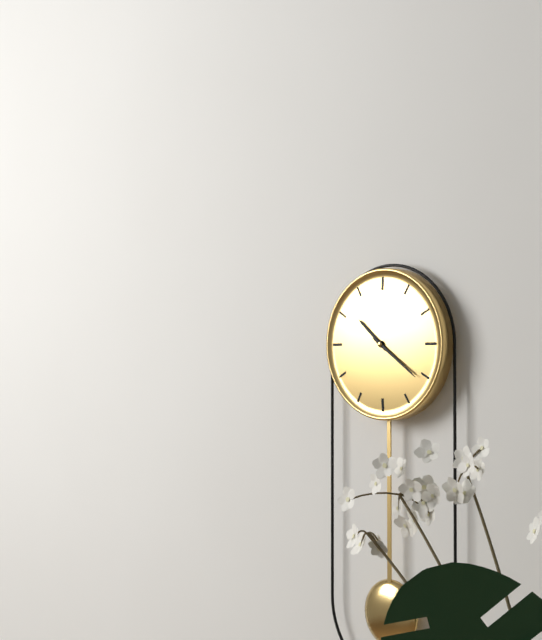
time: 10.21
